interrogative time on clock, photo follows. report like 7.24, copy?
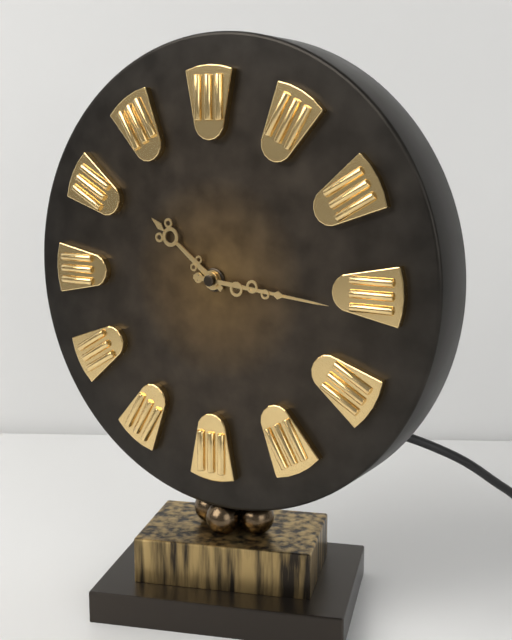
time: 10.16
